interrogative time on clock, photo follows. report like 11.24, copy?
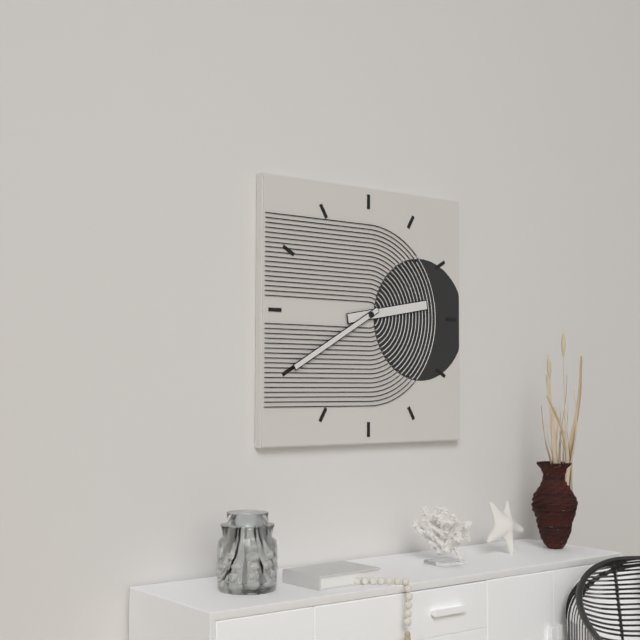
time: 2.40
